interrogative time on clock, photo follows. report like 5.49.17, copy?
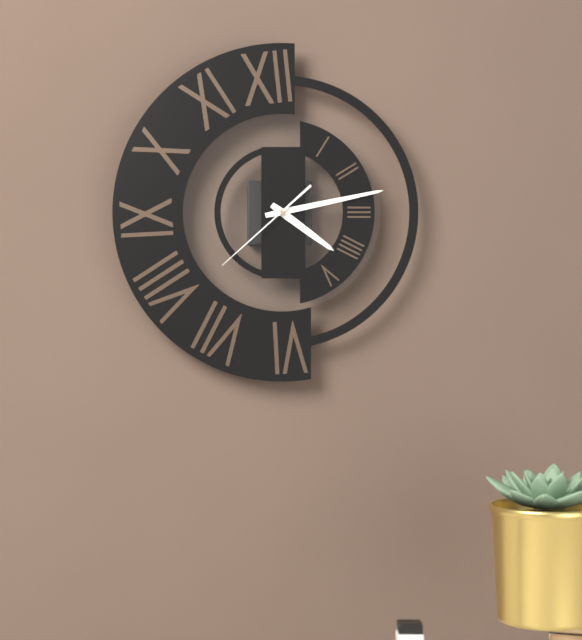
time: 4.13.38
